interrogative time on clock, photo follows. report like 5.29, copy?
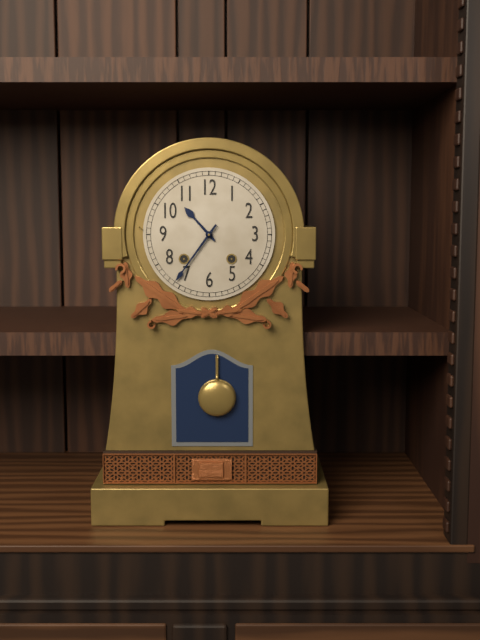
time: 10.36
